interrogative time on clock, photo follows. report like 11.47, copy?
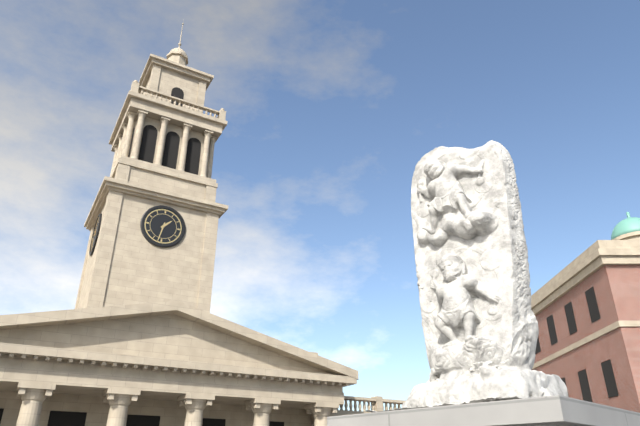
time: 1.32
